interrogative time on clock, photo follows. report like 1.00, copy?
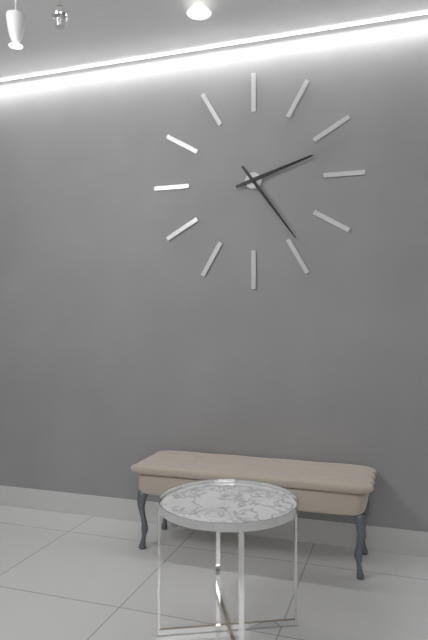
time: 2.24
